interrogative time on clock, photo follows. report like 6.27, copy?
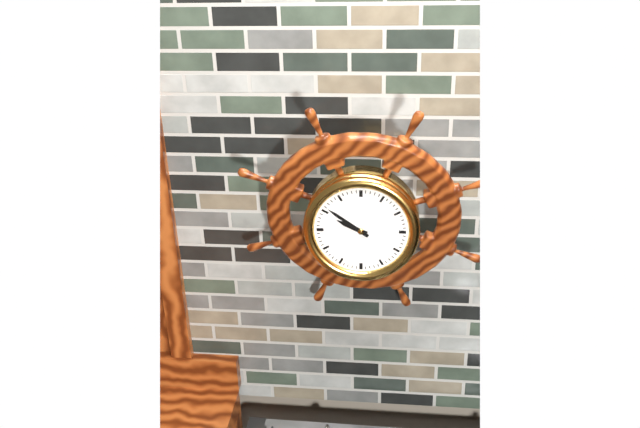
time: 9.51
